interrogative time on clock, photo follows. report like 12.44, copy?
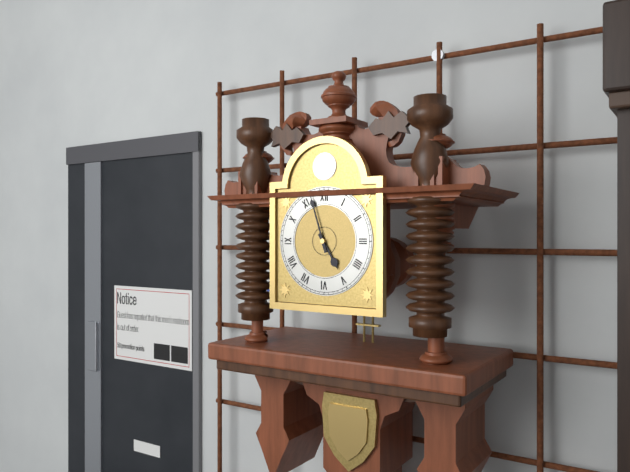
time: 4.57
